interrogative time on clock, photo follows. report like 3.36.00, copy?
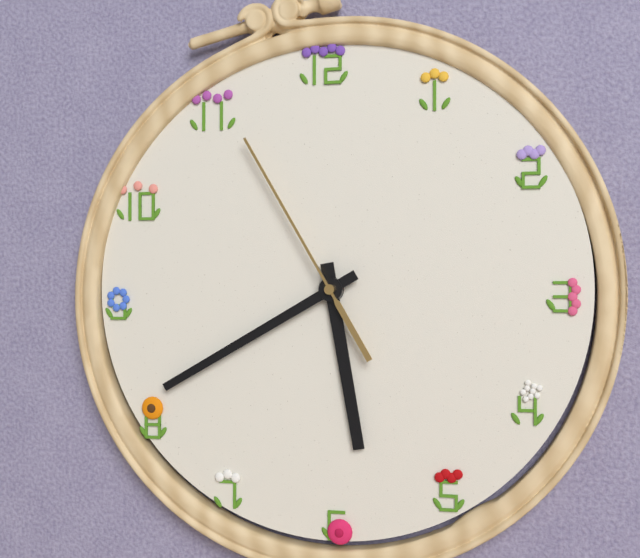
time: 5.40.55
